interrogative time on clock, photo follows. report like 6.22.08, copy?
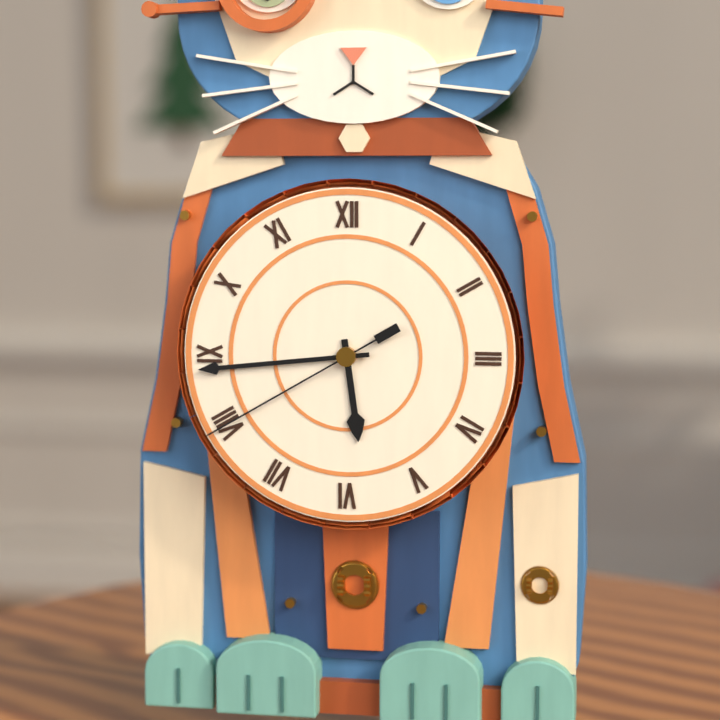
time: 5.44.40
